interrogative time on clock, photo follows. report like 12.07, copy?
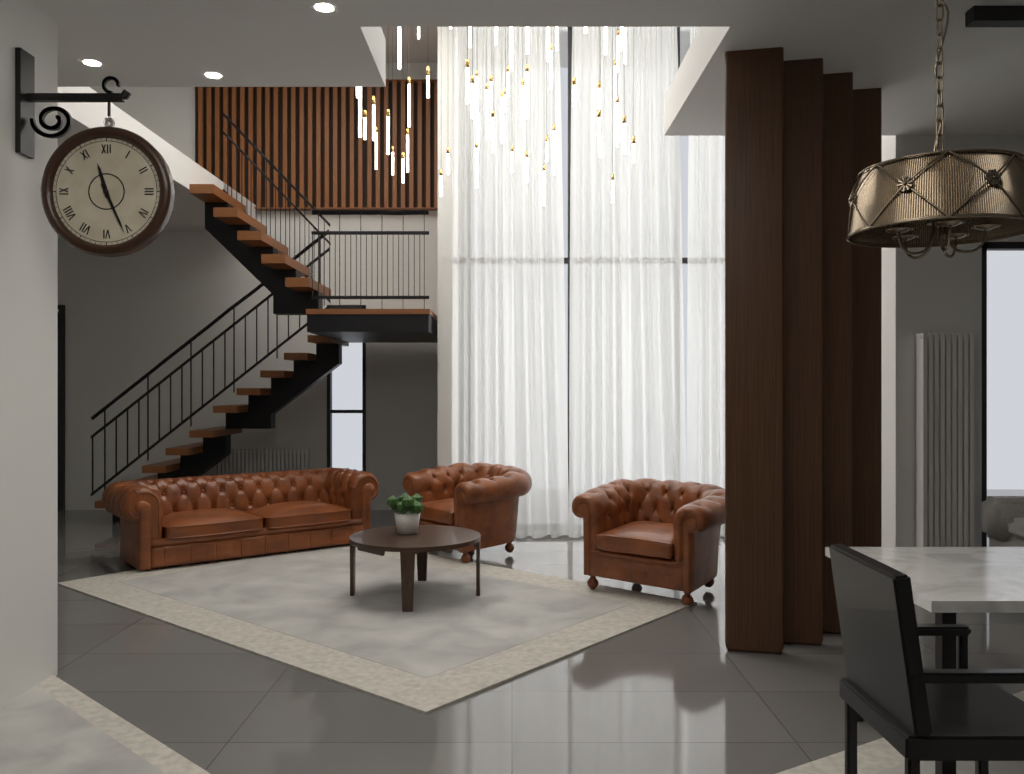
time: 11.26
